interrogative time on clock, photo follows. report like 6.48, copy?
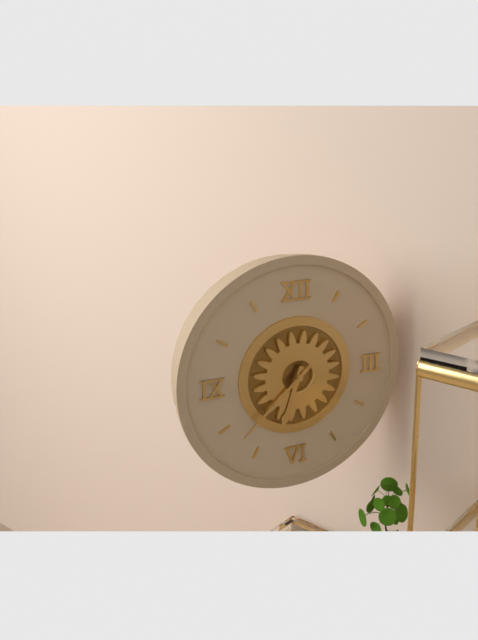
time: 6.38
